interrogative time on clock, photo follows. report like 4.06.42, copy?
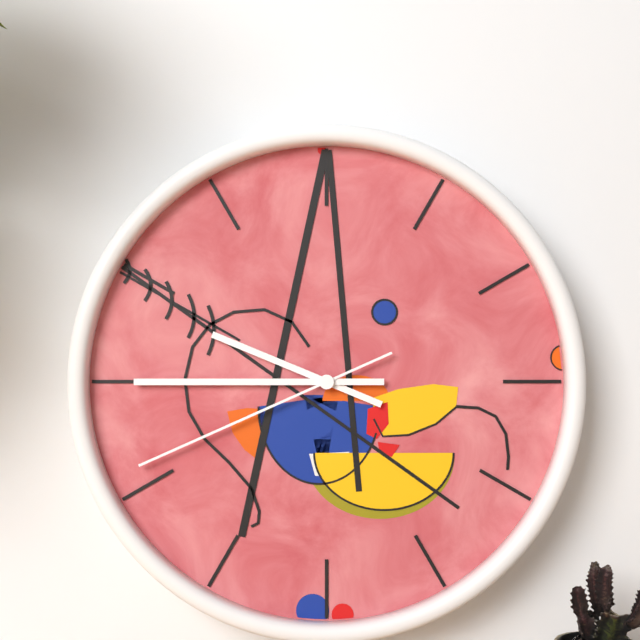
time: 9.45.41
